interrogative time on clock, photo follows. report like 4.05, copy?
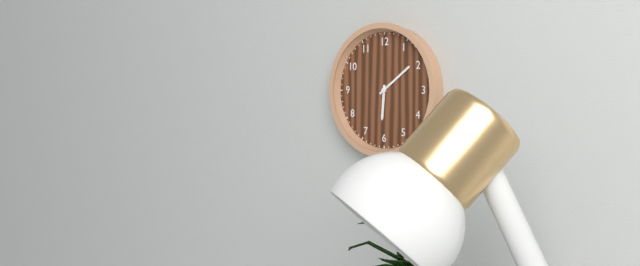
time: 6.09
